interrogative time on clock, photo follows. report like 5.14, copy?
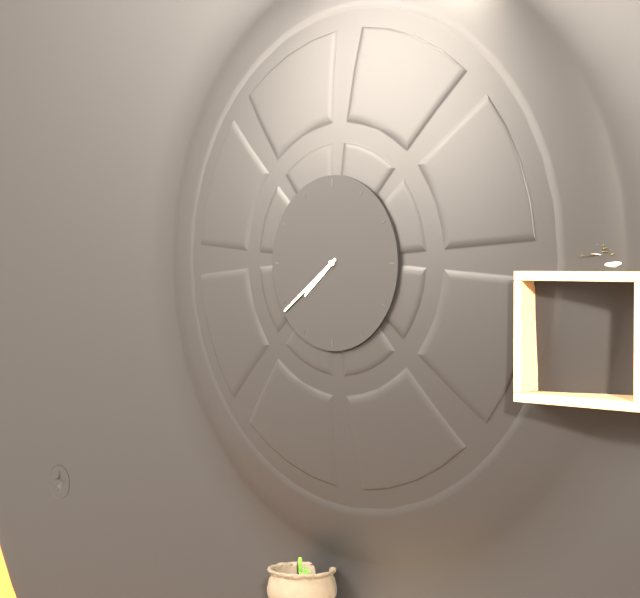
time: 7.39
